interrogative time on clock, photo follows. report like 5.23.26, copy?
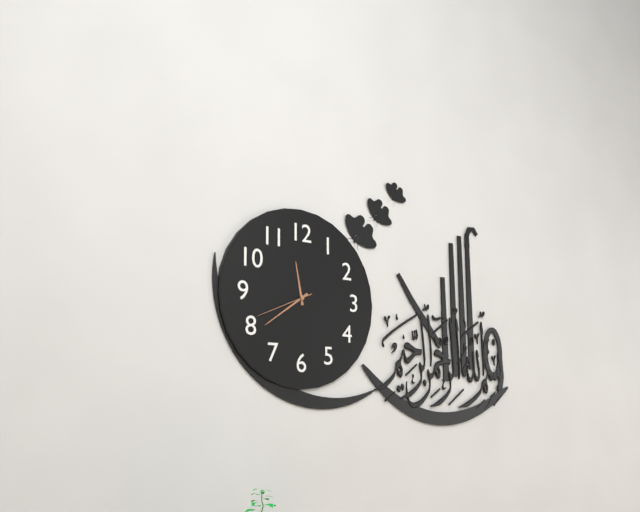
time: 11.39.41
